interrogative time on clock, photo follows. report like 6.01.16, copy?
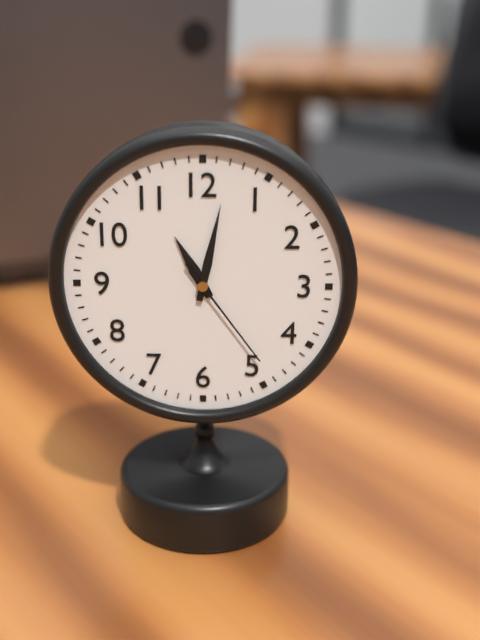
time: 11.02.24
